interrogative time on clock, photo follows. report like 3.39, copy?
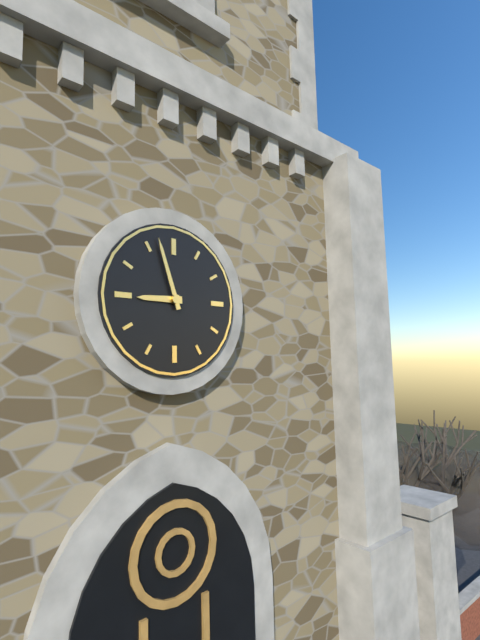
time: 8.57
